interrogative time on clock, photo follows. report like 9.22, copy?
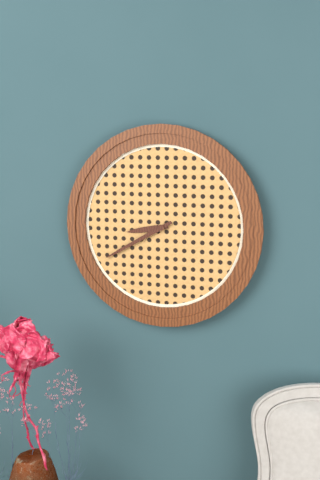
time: 8.40
